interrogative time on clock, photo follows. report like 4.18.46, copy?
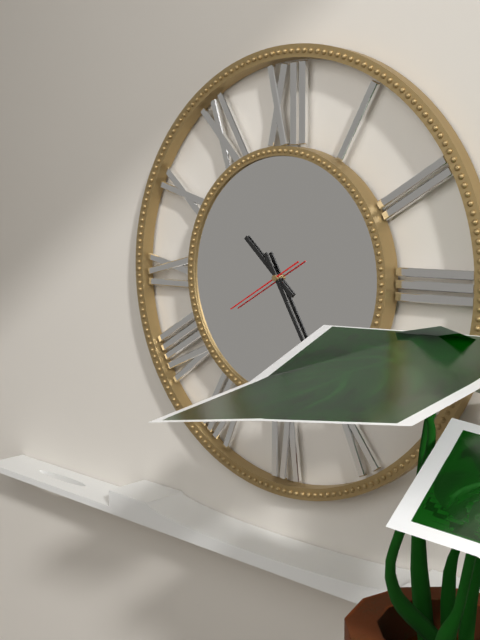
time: 10.25.40
